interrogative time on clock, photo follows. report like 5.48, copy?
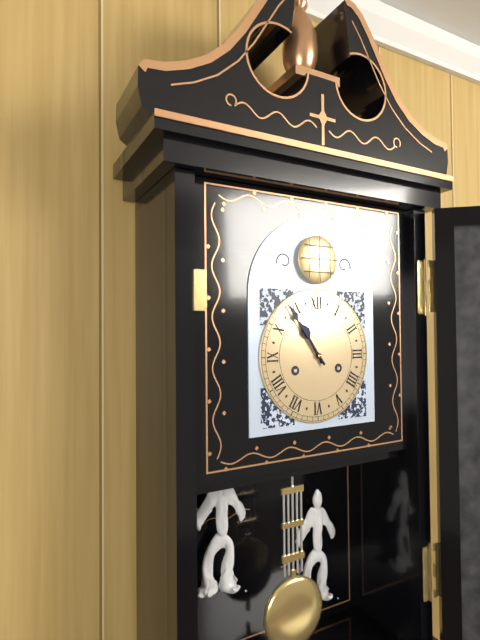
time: 10.54
